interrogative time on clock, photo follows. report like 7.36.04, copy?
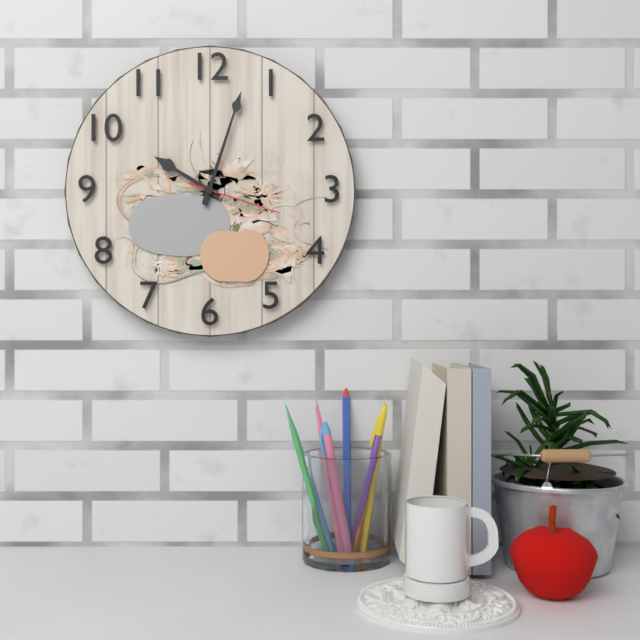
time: 10.03.18
